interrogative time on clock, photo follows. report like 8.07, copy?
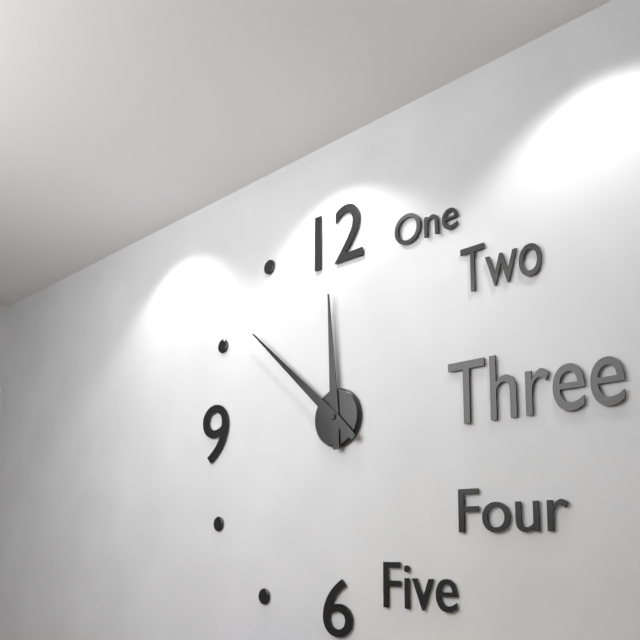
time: 11.52
